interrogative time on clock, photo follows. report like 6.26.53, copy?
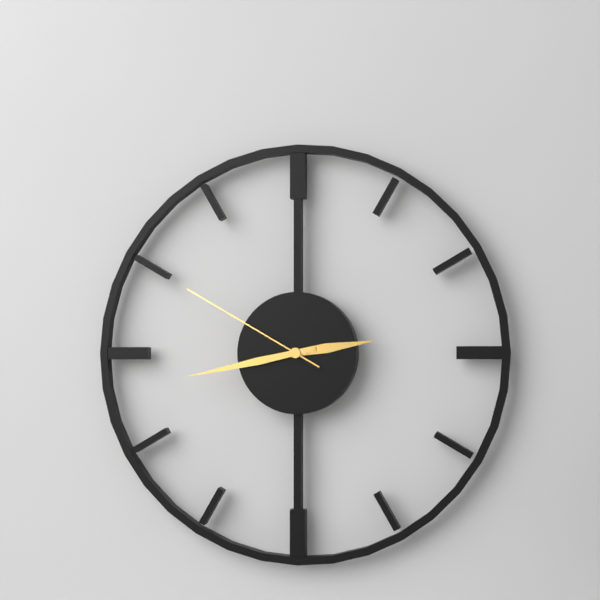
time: 2.43.50
